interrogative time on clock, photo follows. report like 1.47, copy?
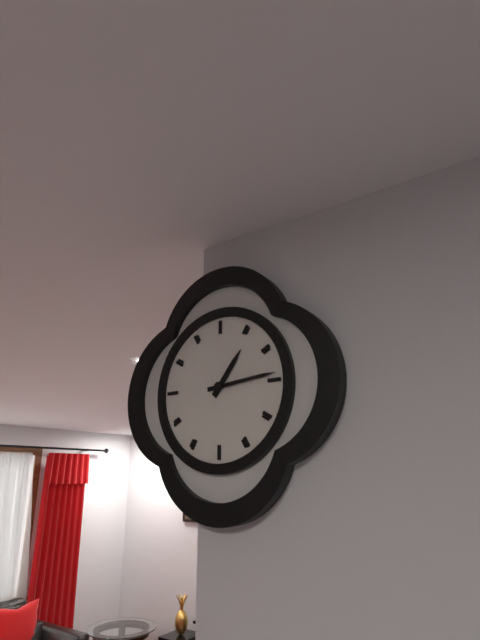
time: 1.14
